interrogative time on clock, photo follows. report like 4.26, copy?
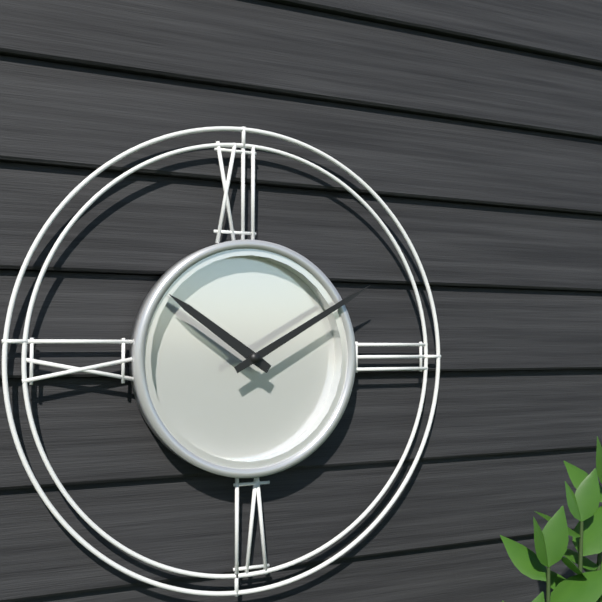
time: 10.10
